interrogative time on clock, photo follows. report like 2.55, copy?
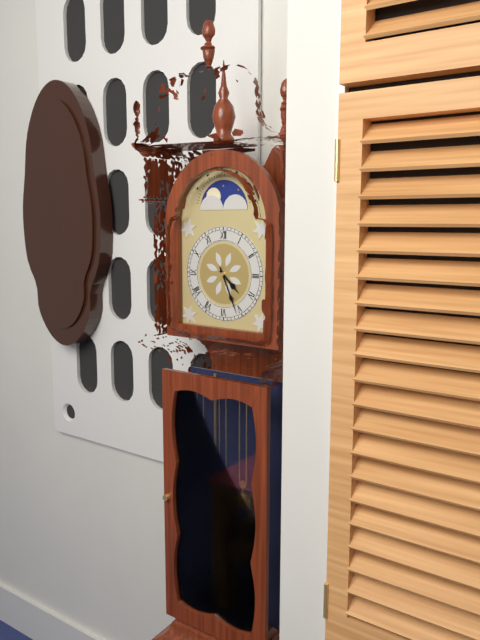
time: 4.26
